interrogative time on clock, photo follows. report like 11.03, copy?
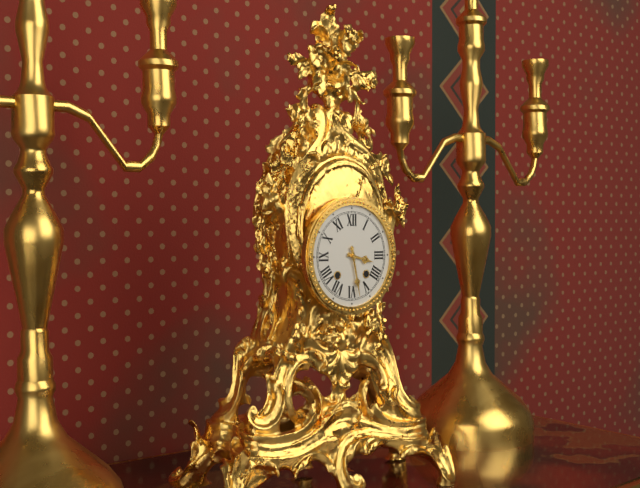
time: 3.28
